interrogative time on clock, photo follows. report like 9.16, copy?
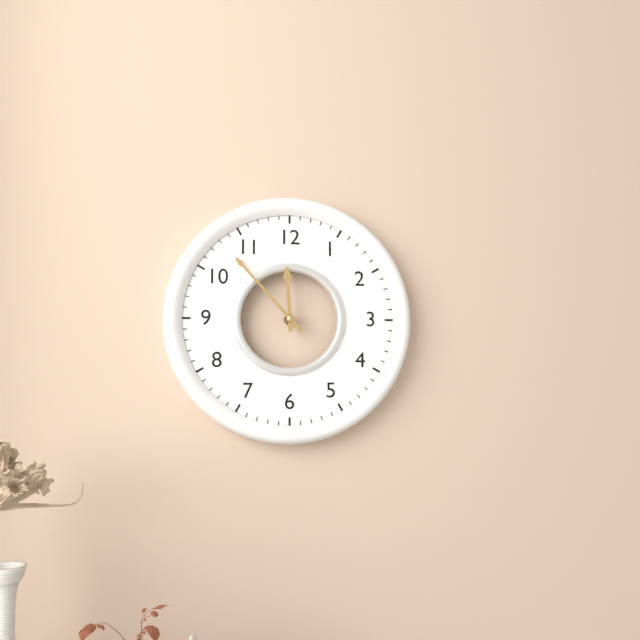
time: 11.53
